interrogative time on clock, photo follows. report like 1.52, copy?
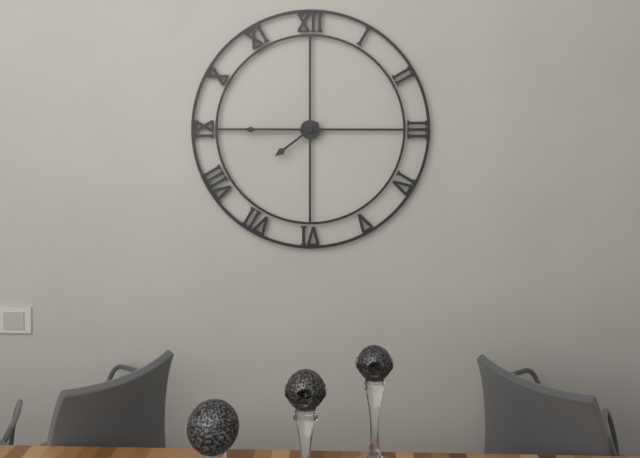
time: 7.45
